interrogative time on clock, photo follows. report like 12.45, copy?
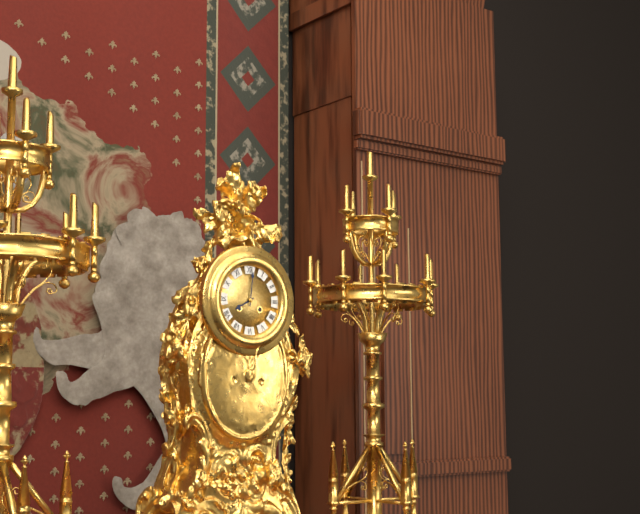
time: 8.01
